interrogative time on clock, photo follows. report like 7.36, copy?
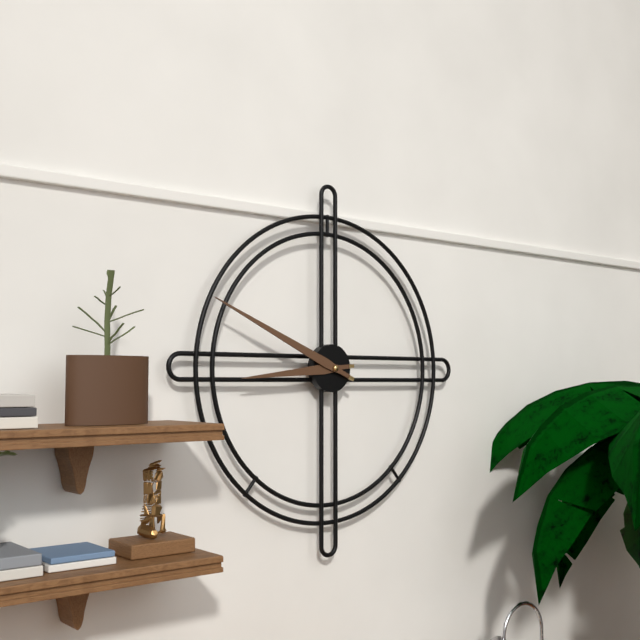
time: 8.49
